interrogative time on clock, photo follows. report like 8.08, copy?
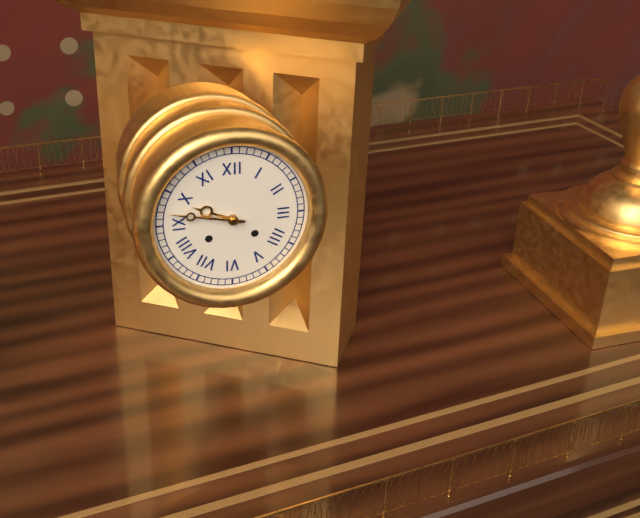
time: 9.47
